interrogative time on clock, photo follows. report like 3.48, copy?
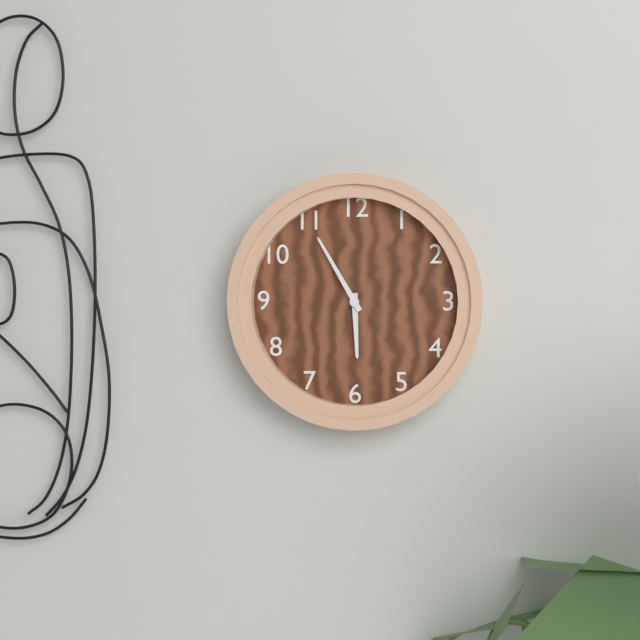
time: 5.55
